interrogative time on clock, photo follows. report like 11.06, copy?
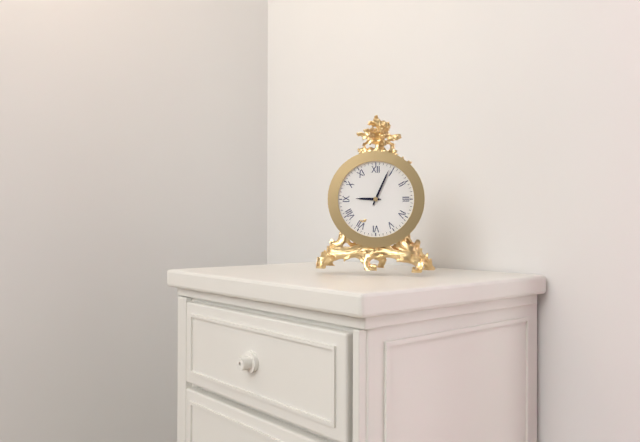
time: 9.04
